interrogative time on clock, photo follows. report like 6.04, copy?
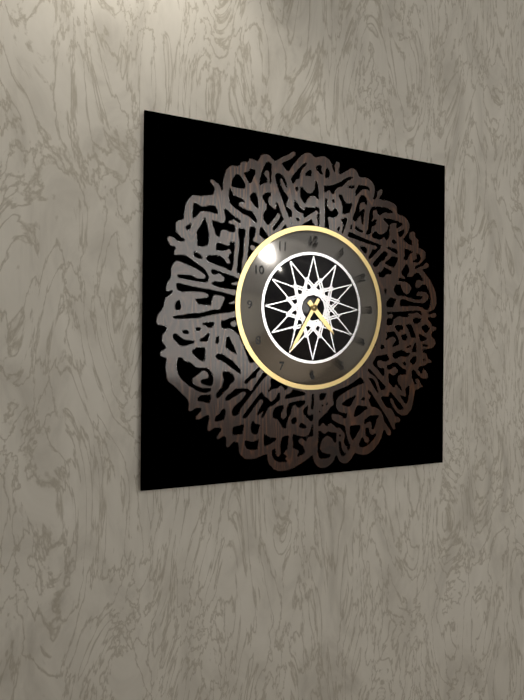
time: 4.35
